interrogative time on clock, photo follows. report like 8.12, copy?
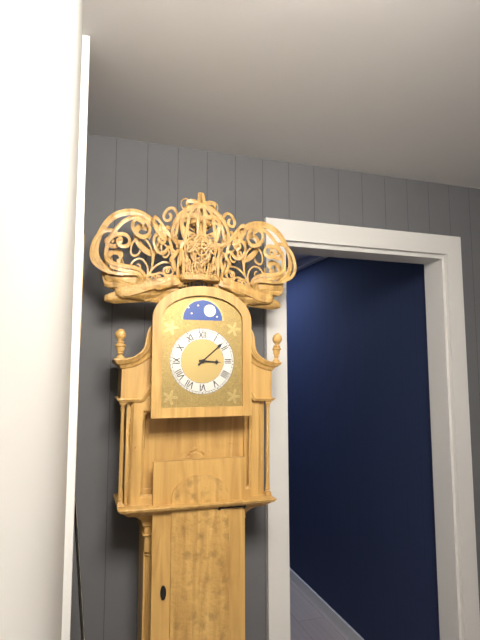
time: 3.08
